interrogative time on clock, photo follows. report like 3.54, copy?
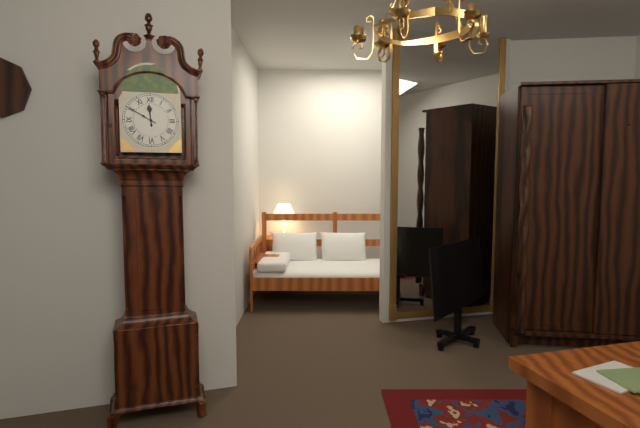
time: 11.50
